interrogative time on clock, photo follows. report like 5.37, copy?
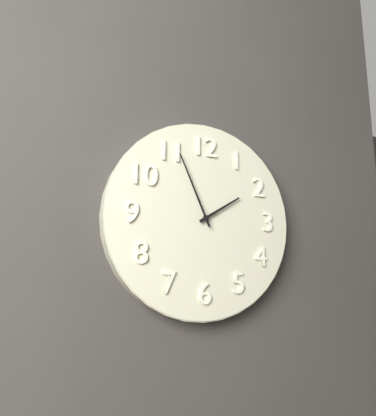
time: 1.56
